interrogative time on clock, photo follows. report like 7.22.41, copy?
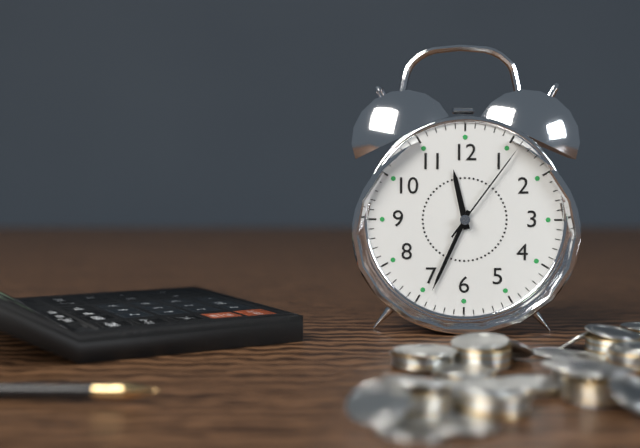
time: 11.34.06
